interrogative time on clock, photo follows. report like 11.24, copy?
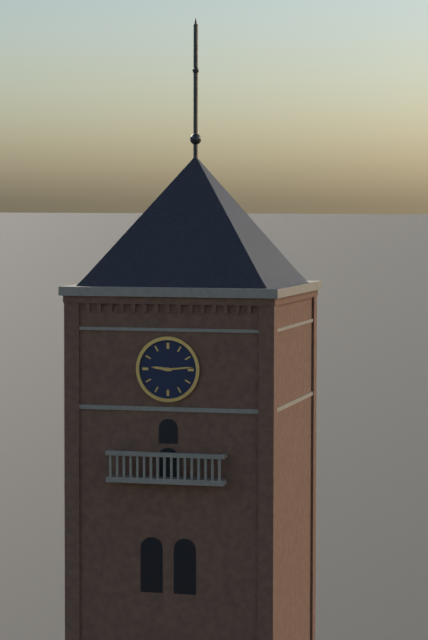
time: 9.14
